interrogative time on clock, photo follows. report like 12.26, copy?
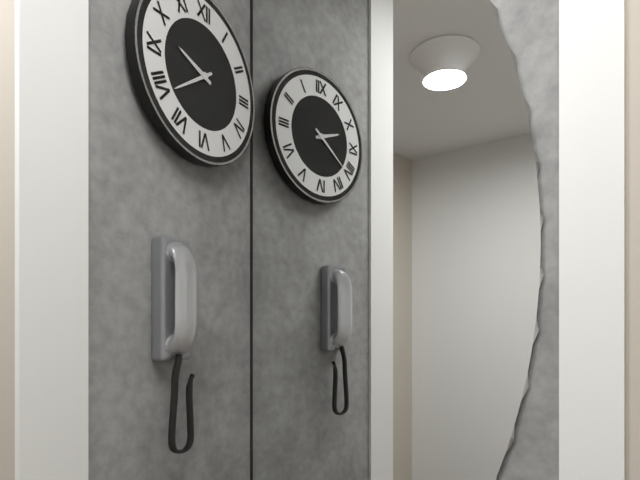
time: 9.39
